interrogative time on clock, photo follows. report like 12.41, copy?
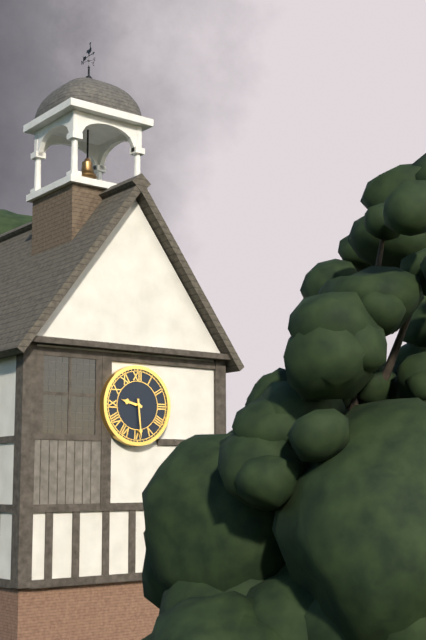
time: 9.29
